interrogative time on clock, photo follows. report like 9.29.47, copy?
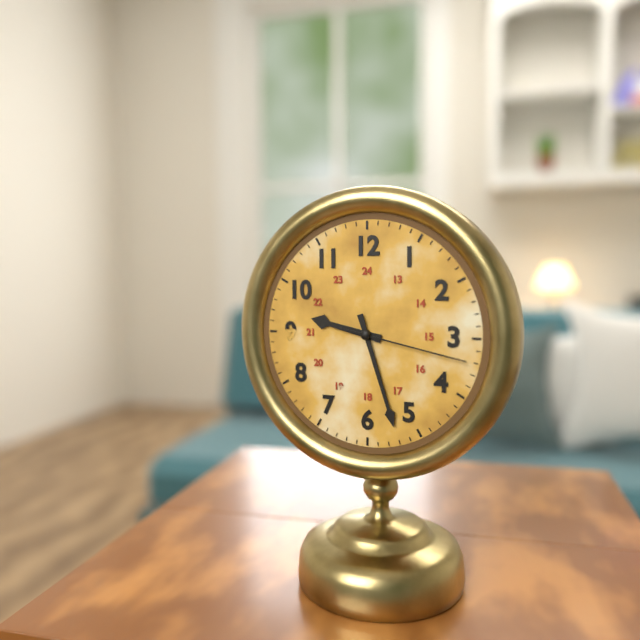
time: 9.27.17
